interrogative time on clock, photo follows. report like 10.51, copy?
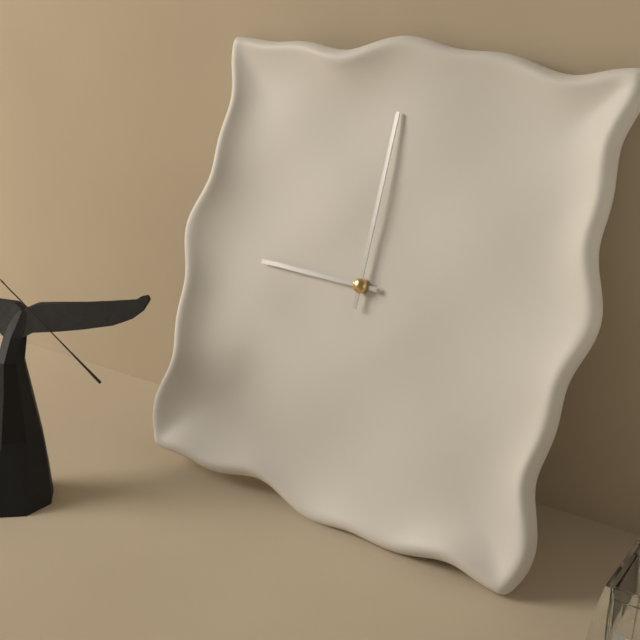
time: 9.00
